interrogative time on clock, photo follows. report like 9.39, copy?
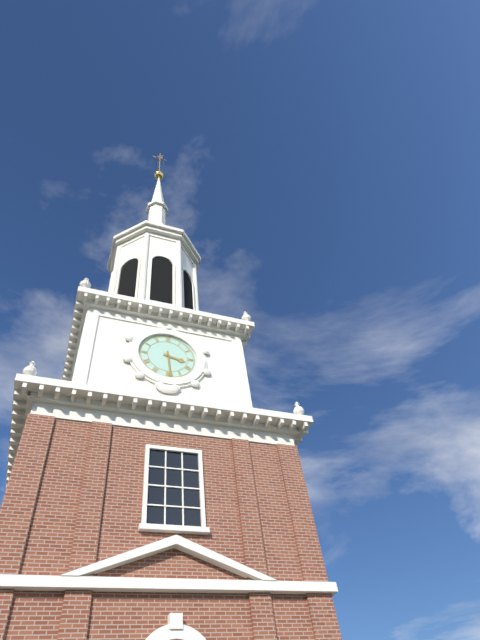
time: 3.29
